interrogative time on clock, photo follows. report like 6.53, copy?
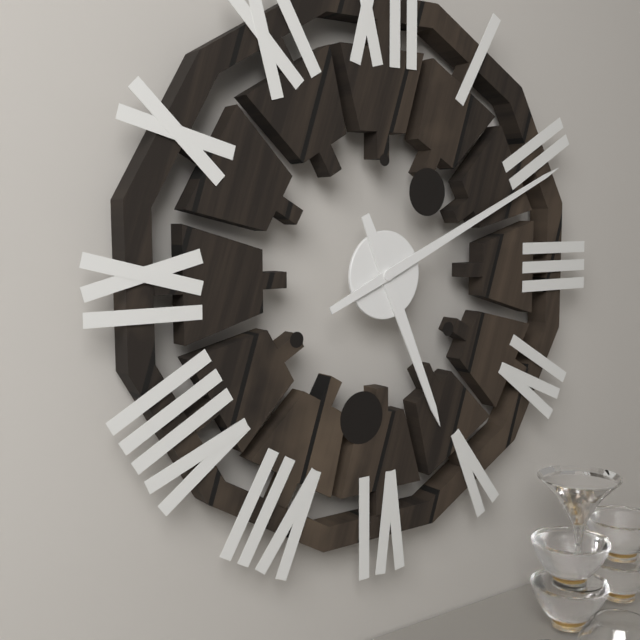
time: 5.11
